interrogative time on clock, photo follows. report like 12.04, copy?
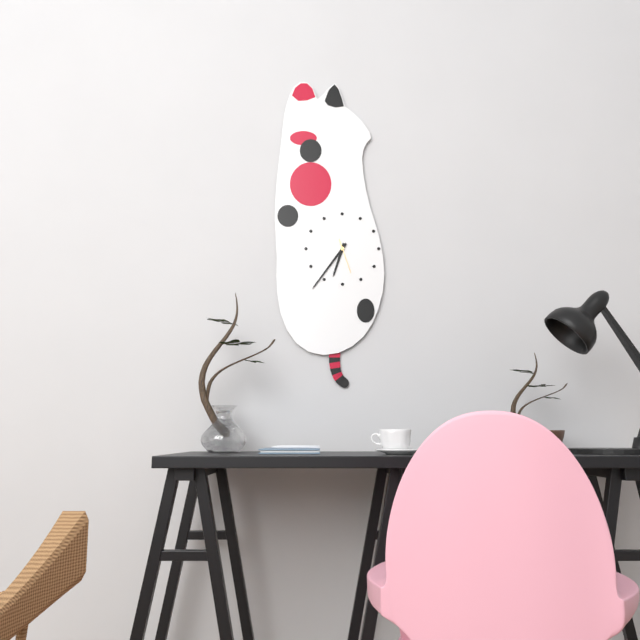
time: 6.36
